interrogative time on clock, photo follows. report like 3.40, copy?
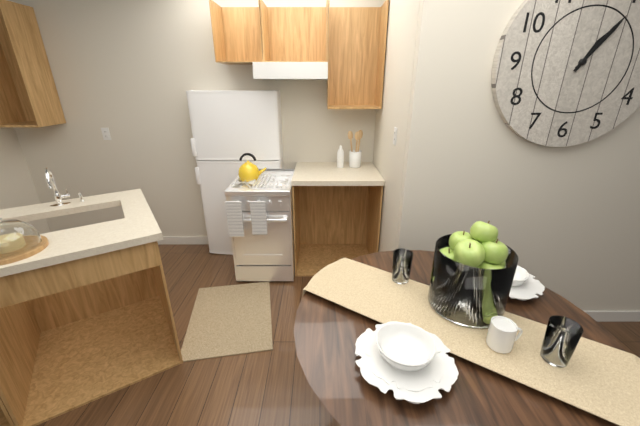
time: 1.06
